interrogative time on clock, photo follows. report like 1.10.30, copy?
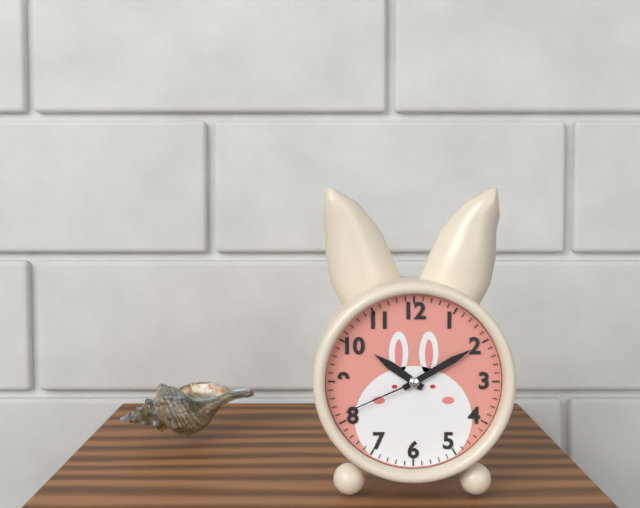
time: 10.10.41
